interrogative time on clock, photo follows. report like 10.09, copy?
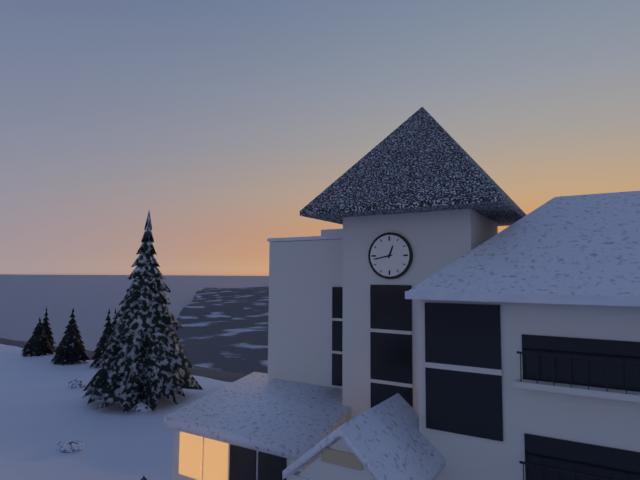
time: 12.43
